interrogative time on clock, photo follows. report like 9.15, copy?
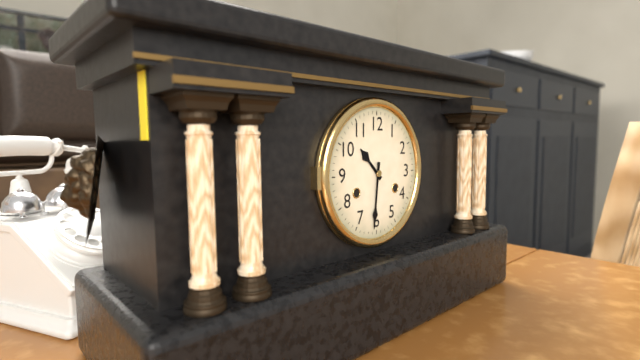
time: 10.31
